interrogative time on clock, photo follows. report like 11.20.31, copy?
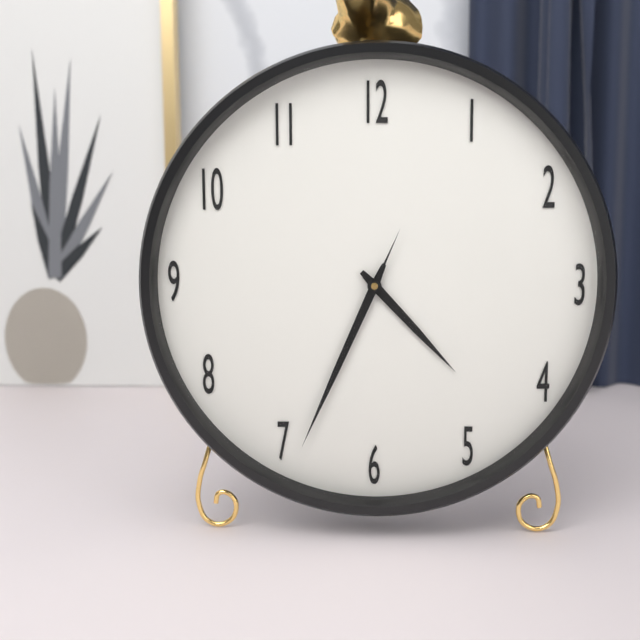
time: 4.34.34
